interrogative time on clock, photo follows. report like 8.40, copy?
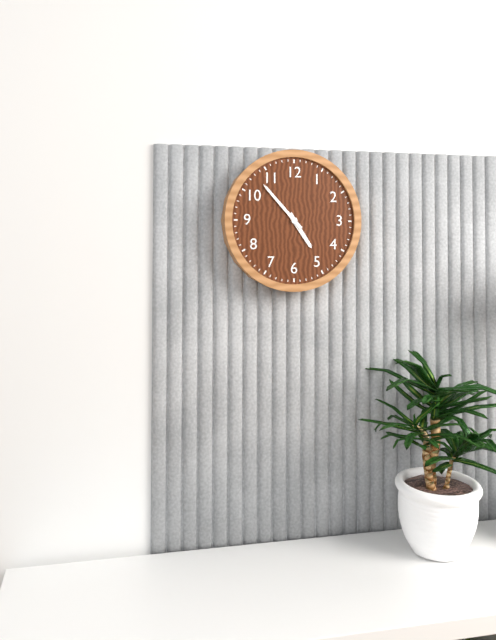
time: 4.53
